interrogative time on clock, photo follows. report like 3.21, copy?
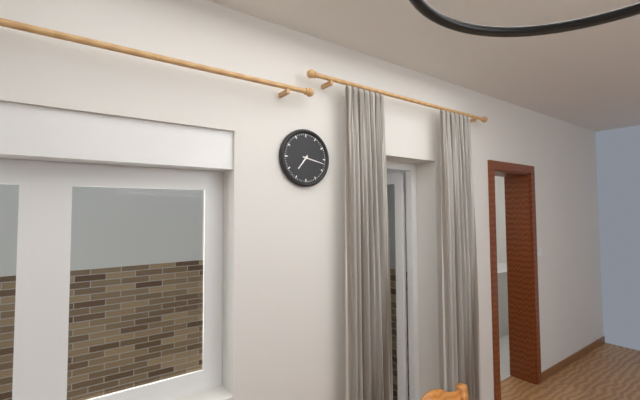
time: 7.17
